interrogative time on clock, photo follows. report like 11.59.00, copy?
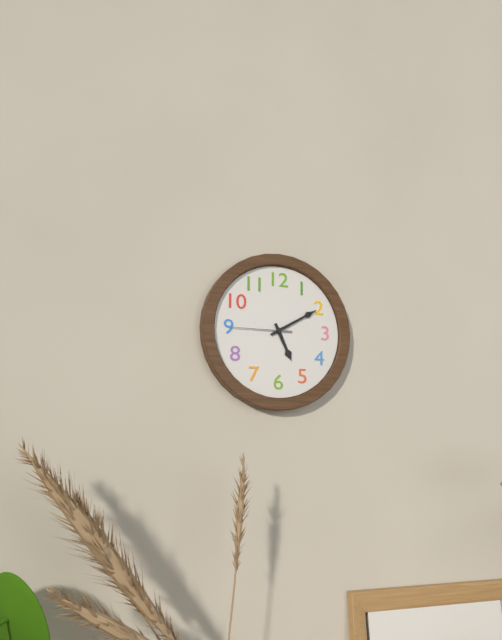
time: 5.10.45
